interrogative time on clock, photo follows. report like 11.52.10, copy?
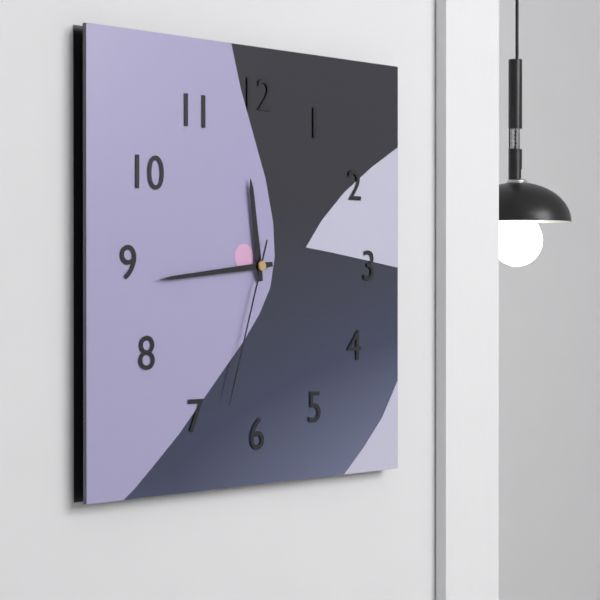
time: 11.44.33
